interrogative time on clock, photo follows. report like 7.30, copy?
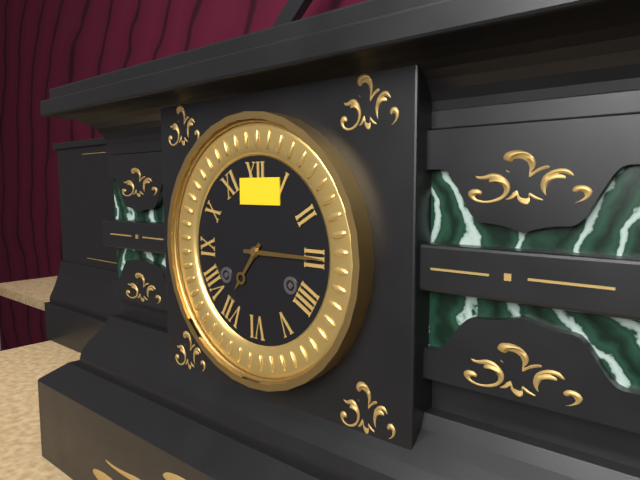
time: 7.15
